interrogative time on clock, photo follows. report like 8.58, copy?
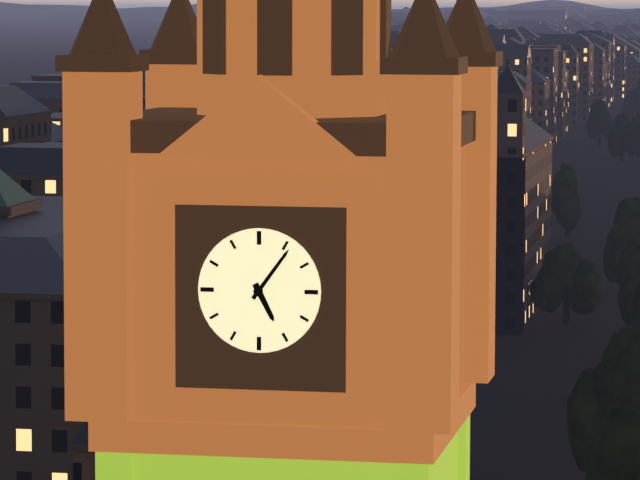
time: 5.06
